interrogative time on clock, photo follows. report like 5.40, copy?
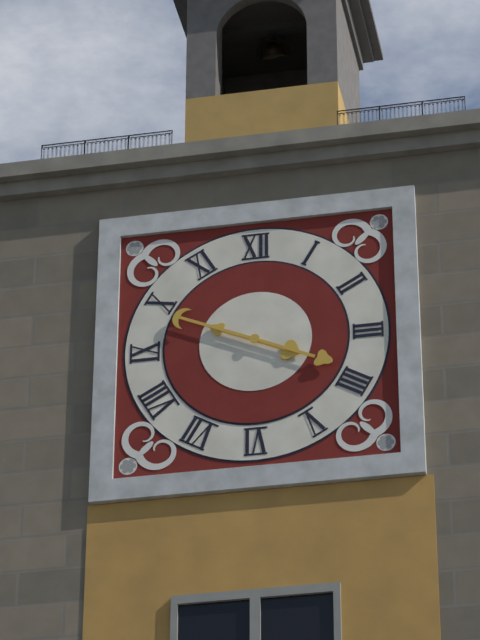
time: 3.49
